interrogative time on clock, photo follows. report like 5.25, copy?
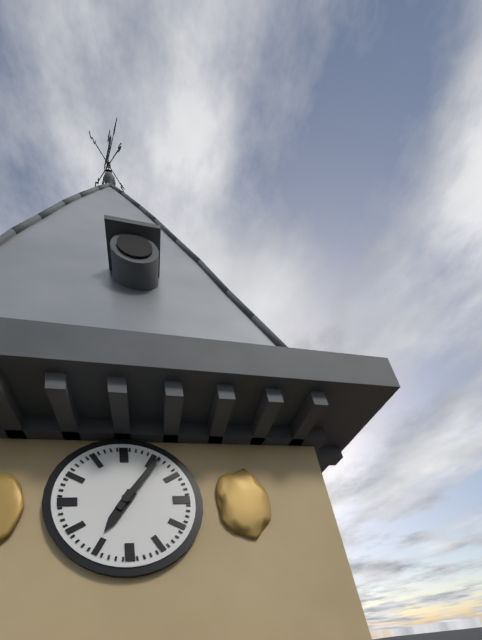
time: 7.06
